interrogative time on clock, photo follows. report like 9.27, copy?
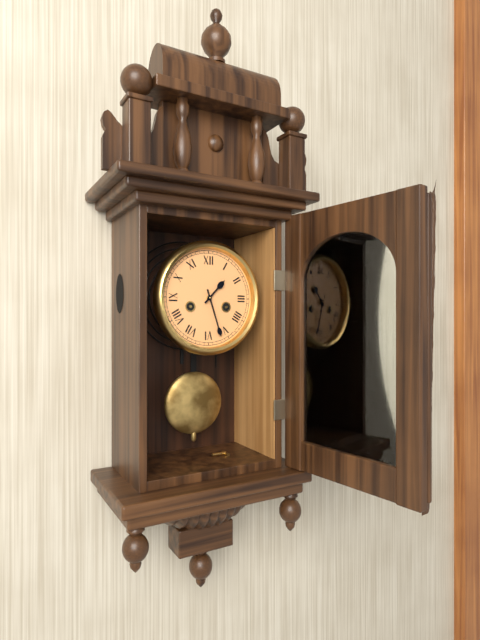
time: 1.27
